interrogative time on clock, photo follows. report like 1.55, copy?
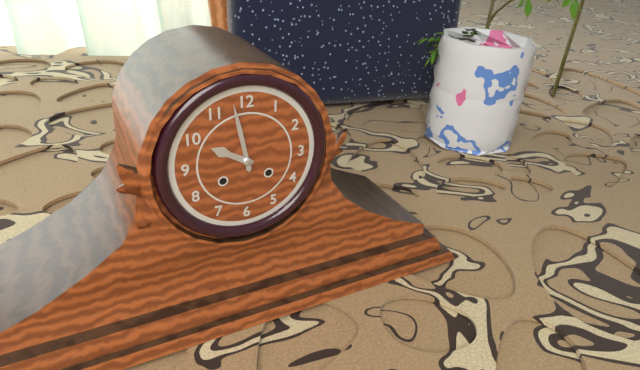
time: 9.58
